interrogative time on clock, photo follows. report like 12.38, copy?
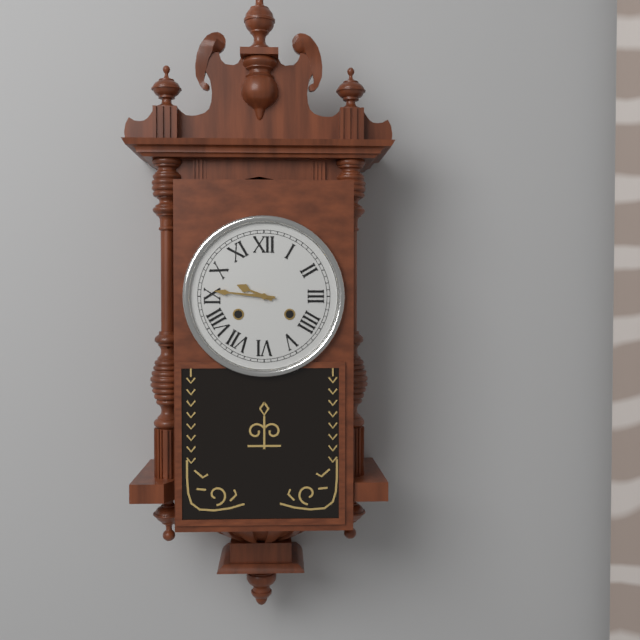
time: 9.46
